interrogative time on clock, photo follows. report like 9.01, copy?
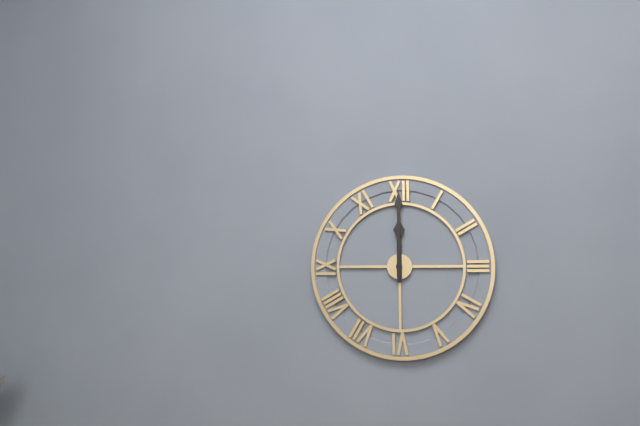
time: 12.00
